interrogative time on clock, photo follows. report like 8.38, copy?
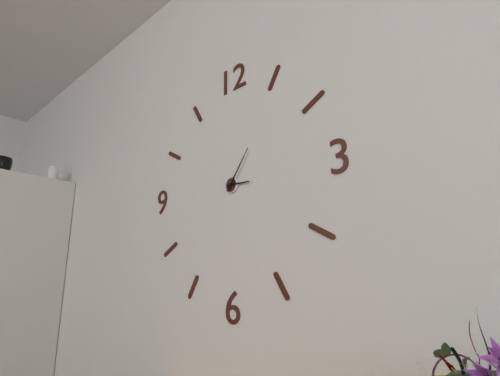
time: 3.06
